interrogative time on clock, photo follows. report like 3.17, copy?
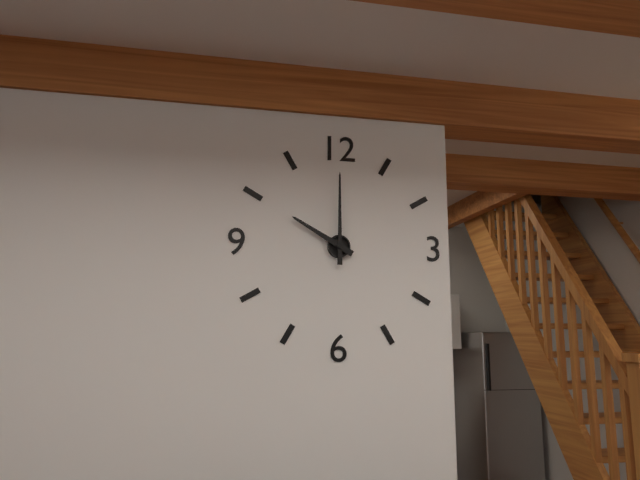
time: 10.00
